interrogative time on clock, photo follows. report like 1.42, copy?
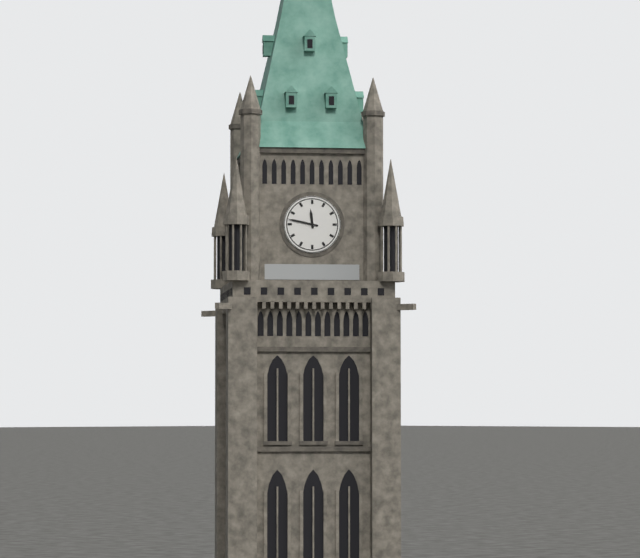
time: 11.47
